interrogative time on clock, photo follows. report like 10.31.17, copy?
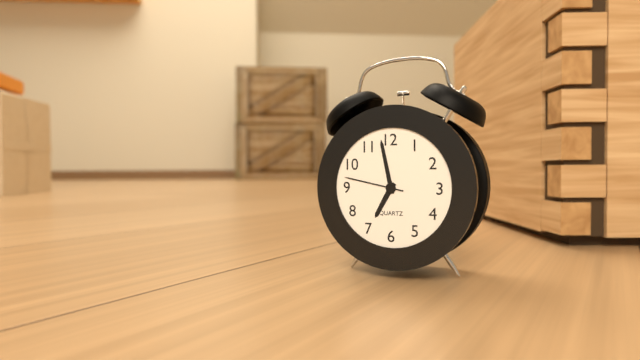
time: 6.58.47
